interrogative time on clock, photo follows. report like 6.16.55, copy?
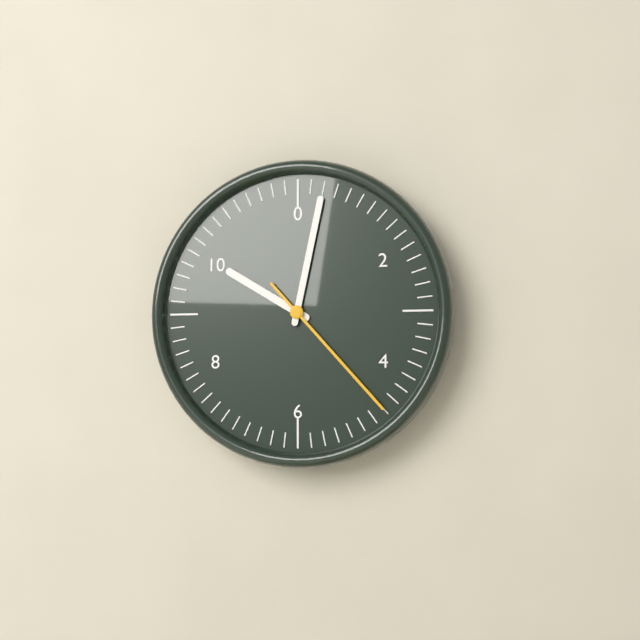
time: 10.02.23
